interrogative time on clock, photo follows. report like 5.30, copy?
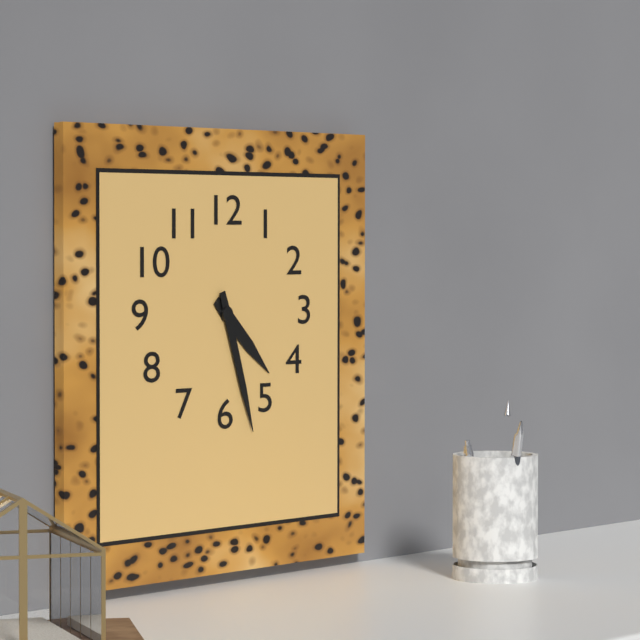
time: 4.27
